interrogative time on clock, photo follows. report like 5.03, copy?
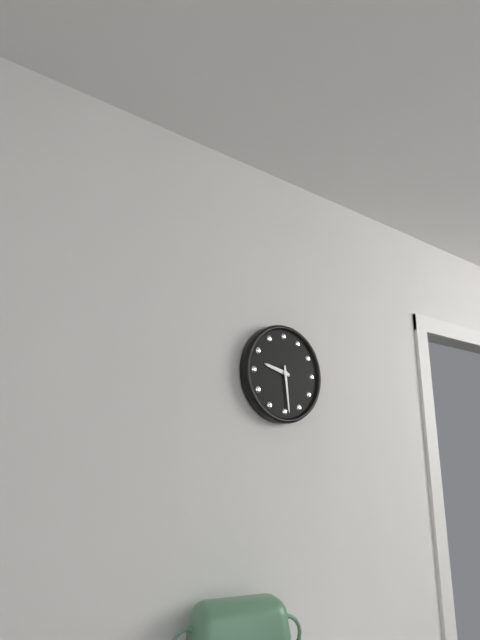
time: 9.29
